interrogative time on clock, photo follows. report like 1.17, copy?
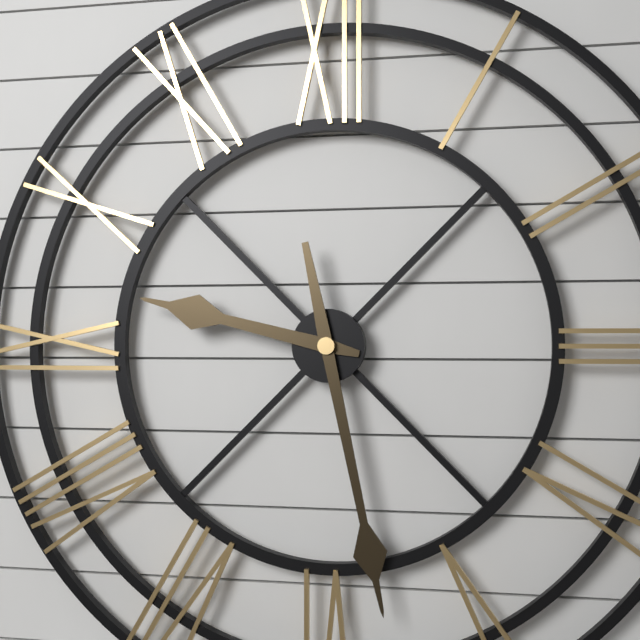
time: 9.28
